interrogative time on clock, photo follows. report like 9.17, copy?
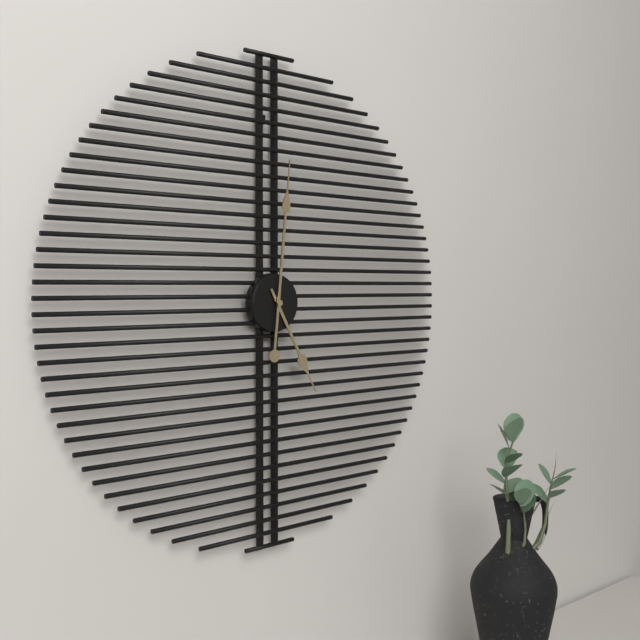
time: 5.01
